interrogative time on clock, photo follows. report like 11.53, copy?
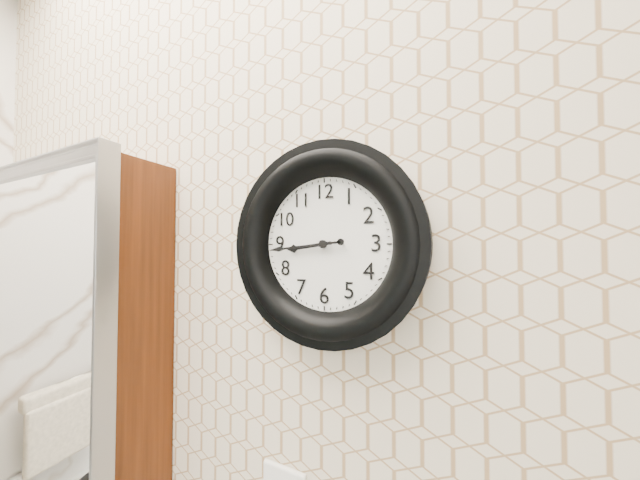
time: 8.44
